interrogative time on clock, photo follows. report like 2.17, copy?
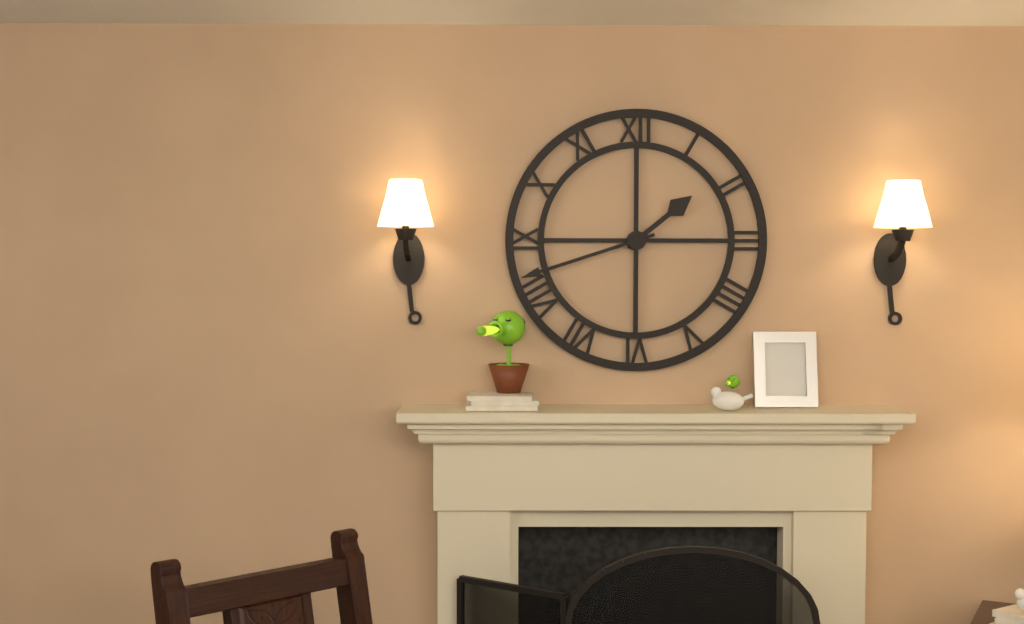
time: 1.42
